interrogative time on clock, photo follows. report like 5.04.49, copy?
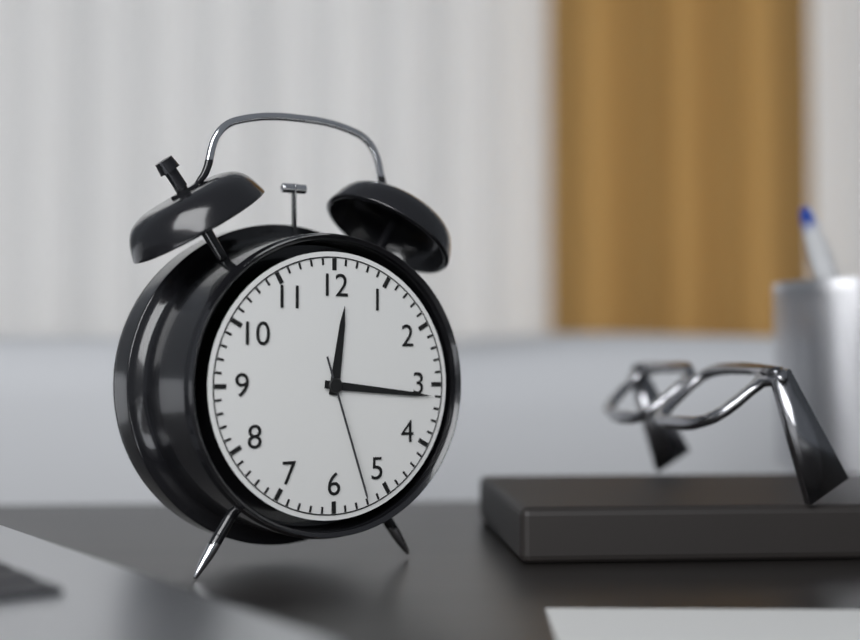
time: 12.16.27
